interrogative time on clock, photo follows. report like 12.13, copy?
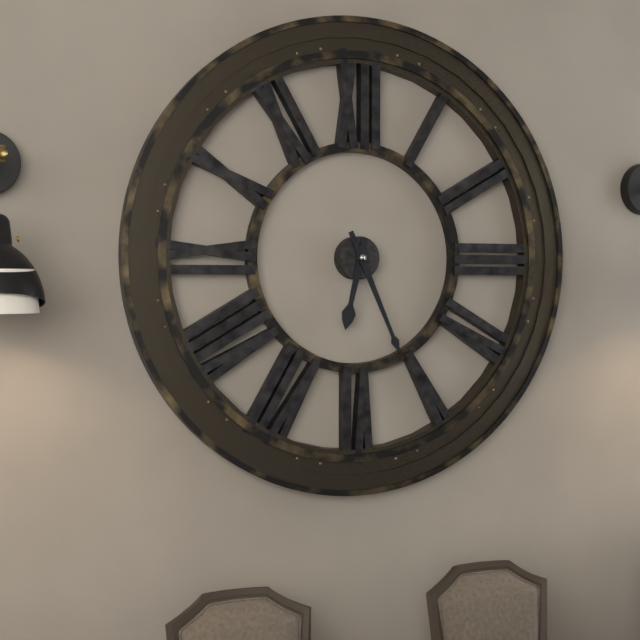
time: 6.26
